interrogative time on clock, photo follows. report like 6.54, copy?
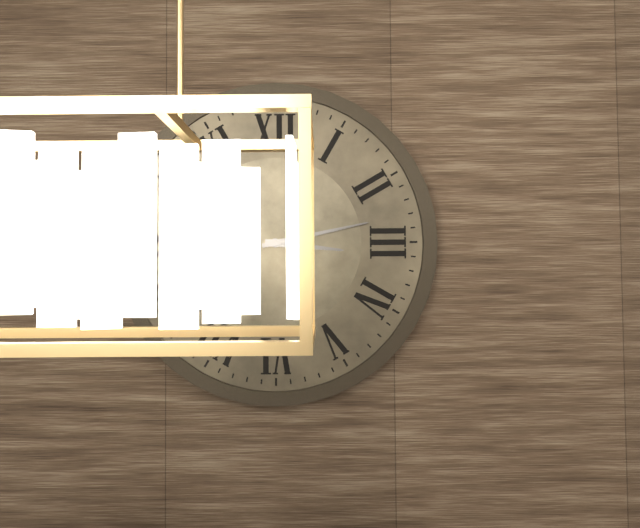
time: 3.13
